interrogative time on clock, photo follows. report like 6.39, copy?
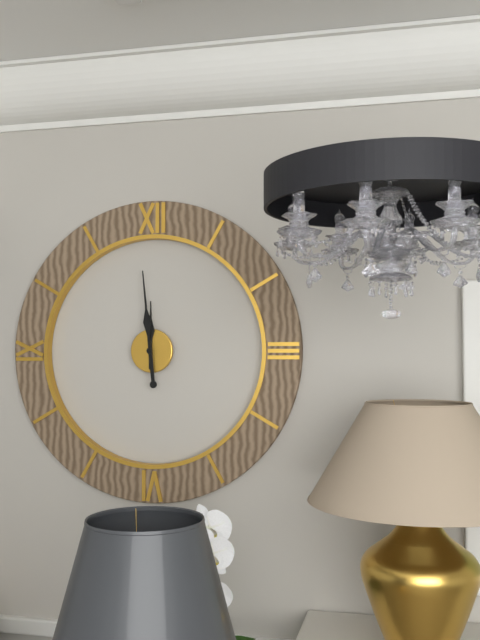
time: 11.59
